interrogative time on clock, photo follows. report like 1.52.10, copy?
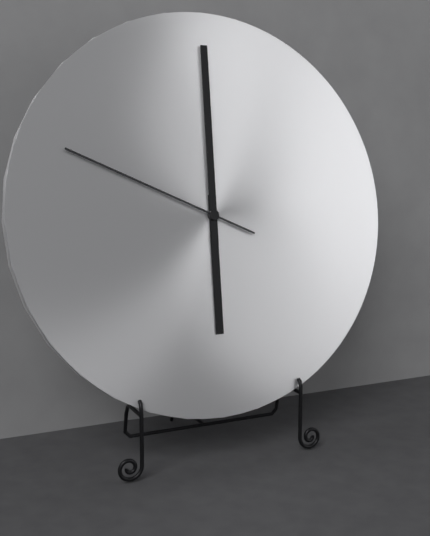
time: 6.00.49
